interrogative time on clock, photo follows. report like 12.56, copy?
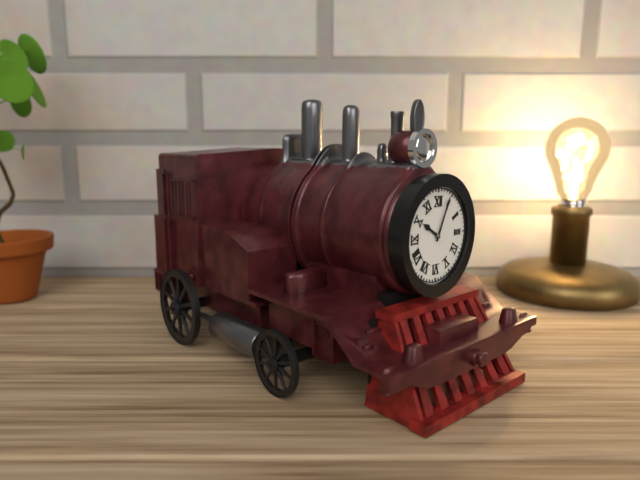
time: 10.04
